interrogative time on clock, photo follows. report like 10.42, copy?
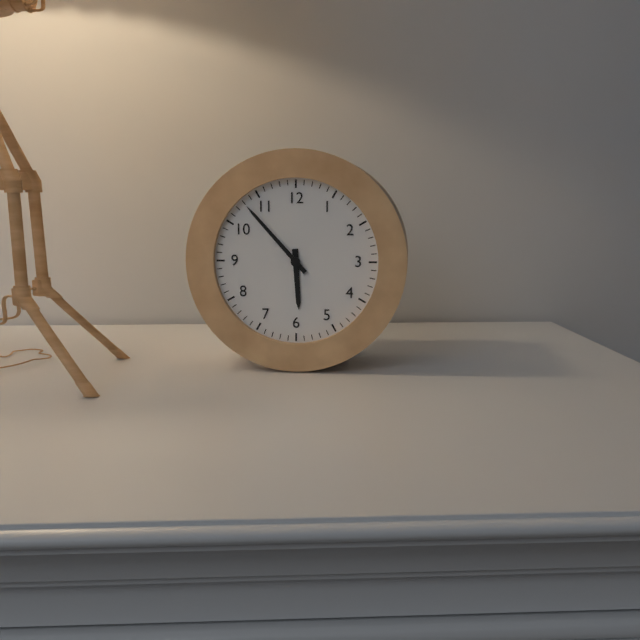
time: 5.53
